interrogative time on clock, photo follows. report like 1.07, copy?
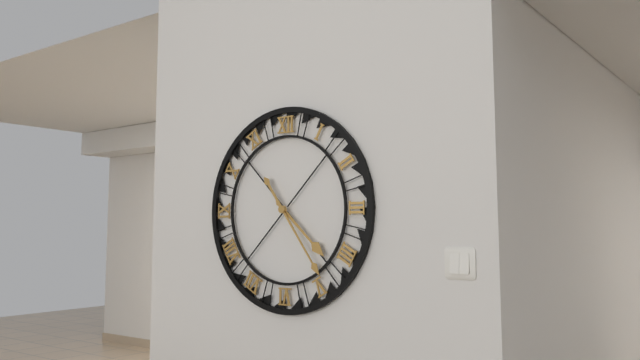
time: 4.24
